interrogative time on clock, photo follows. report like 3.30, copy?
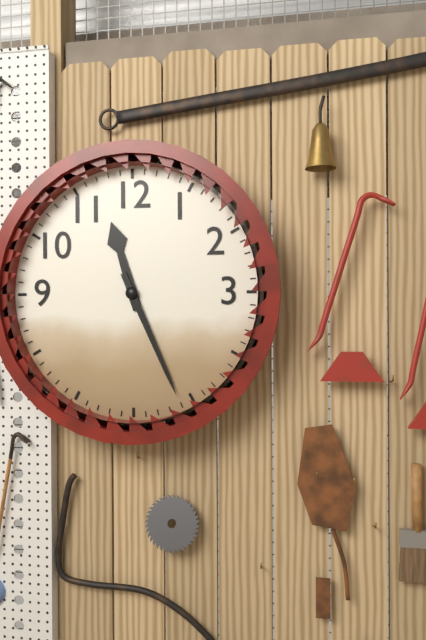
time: 11.26
